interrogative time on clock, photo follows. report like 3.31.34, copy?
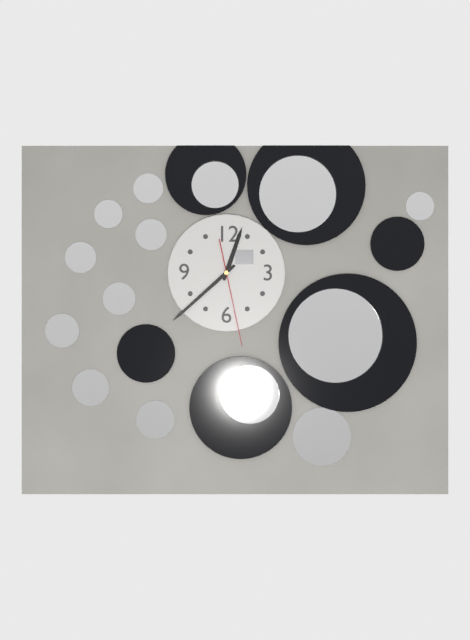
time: 12.38.28
